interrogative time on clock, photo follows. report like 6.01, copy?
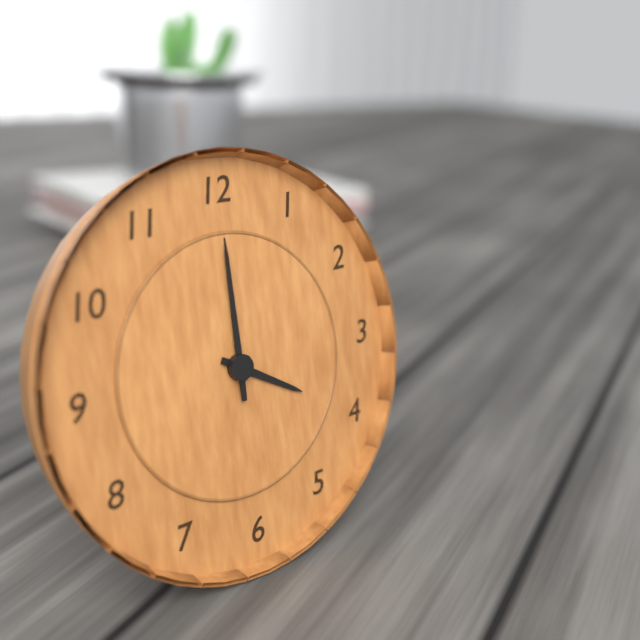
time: 4.00
